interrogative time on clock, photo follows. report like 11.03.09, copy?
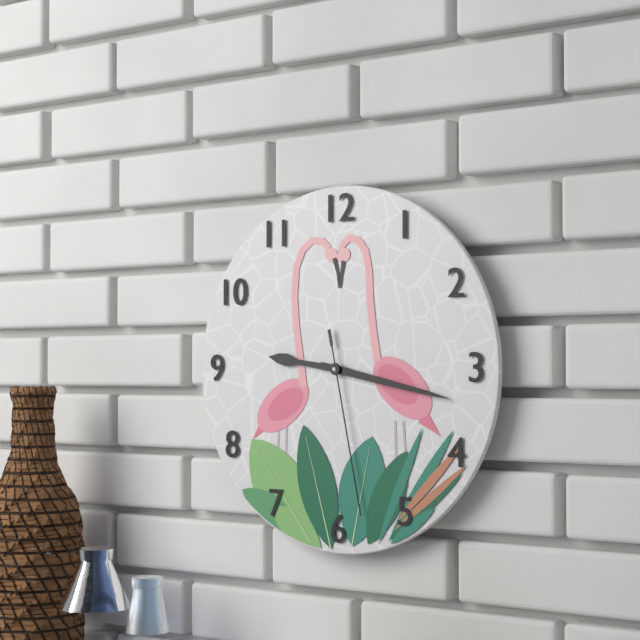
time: 9.17.28
